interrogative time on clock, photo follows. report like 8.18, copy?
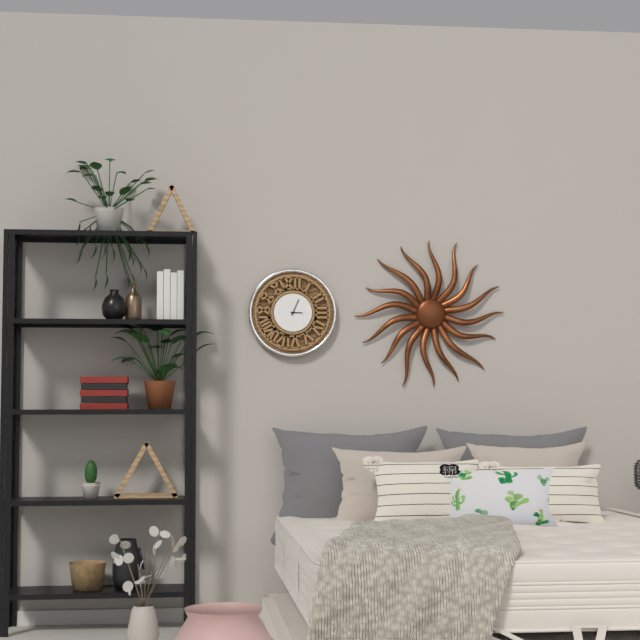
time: 3.04
